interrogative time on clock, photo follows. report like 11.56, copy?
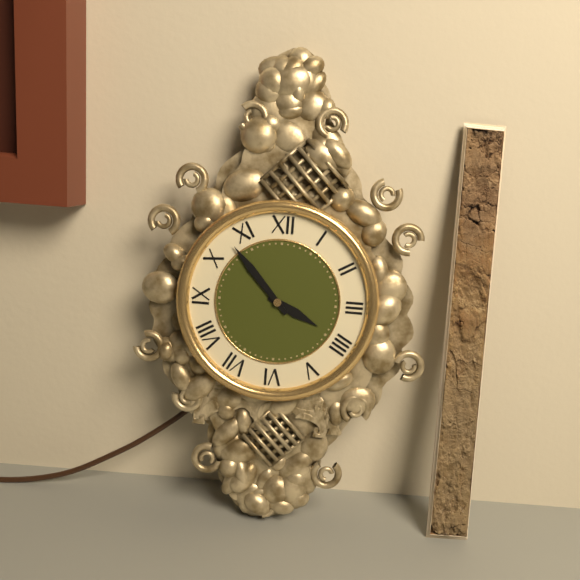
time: 3.53
